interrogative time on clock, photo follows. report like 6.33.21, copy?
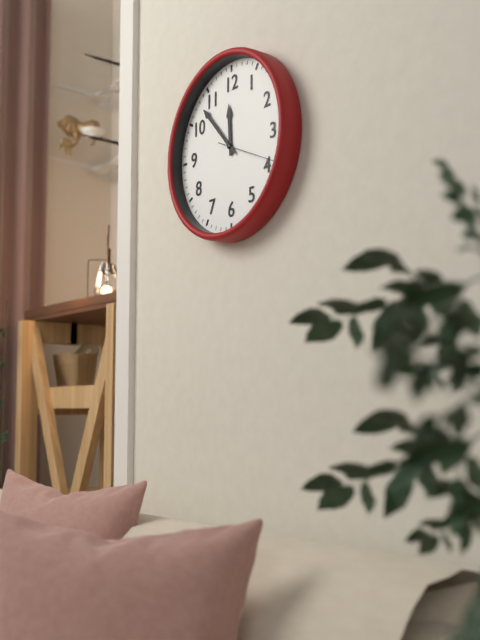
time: 11.53.19
